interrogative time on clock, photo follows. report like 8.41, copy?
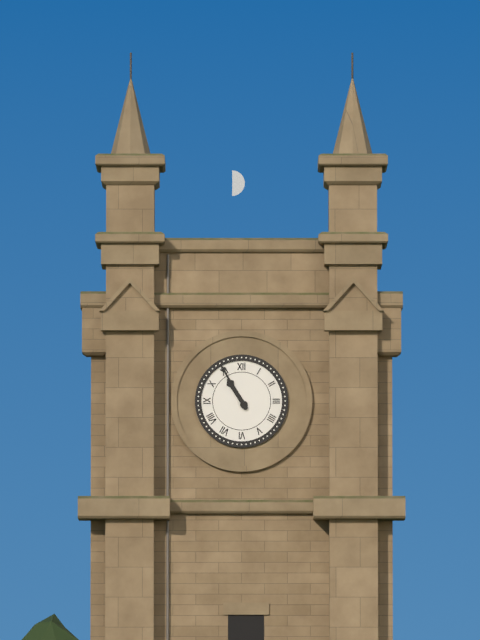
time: 10.55
